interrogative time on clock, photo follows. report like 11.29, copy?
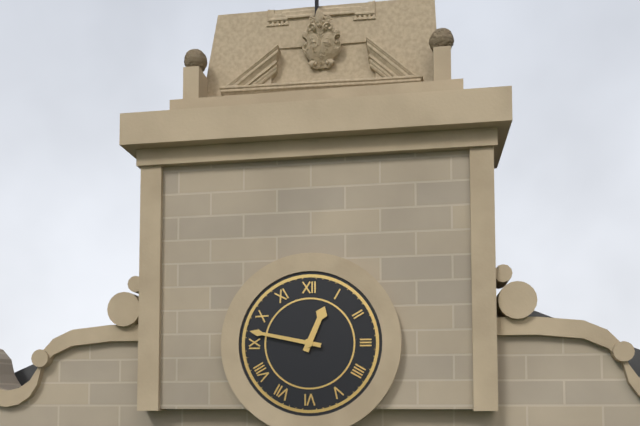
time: 12.47
